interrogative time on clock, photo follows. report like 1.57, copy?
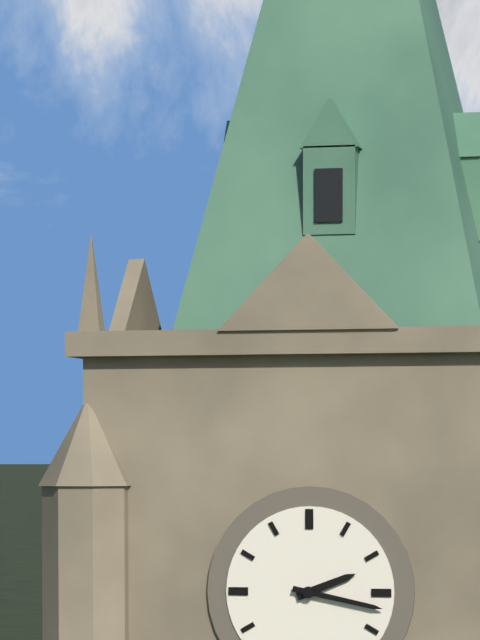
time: 2.17
